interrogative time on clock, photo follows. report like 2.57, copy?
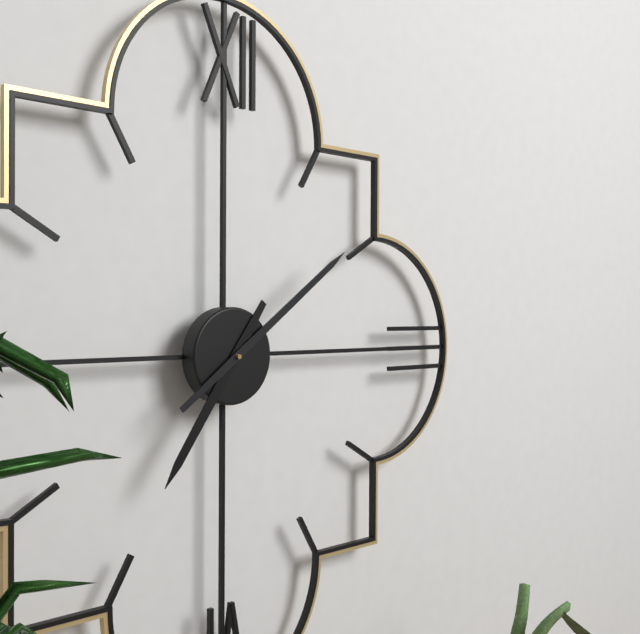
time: 7.09
